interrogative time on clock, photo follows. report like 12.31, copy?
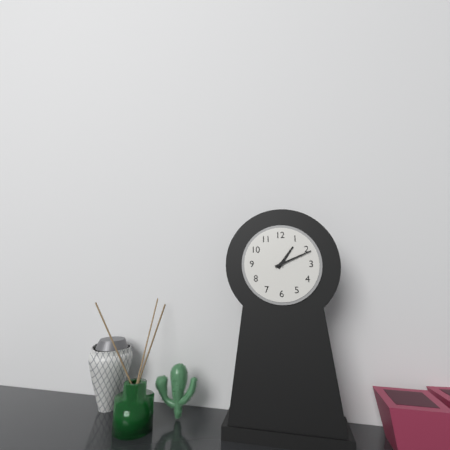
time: 1.11
